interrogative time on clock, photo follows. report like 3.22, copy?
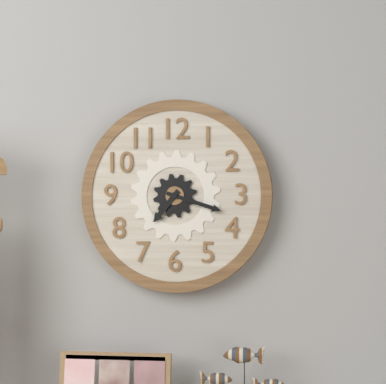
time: 7.18
